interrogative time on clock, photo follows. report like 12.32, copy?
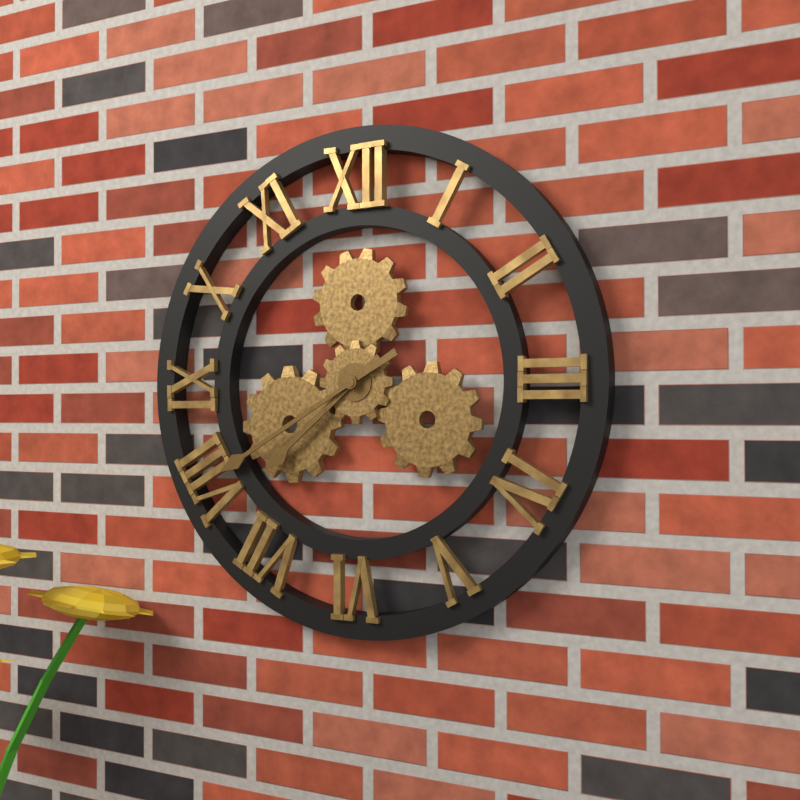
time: 7.40
